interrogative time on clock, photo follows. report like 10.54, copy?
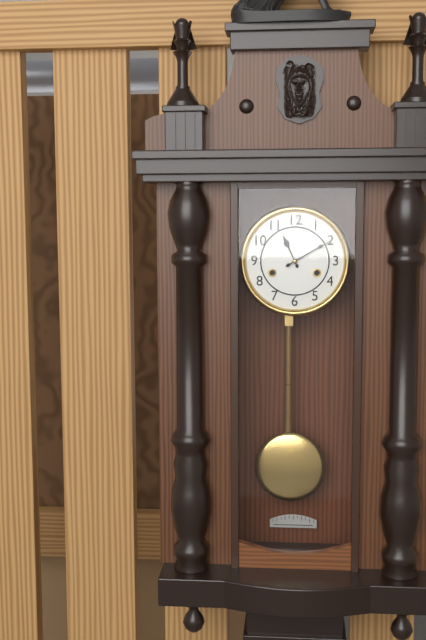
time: 11.10
